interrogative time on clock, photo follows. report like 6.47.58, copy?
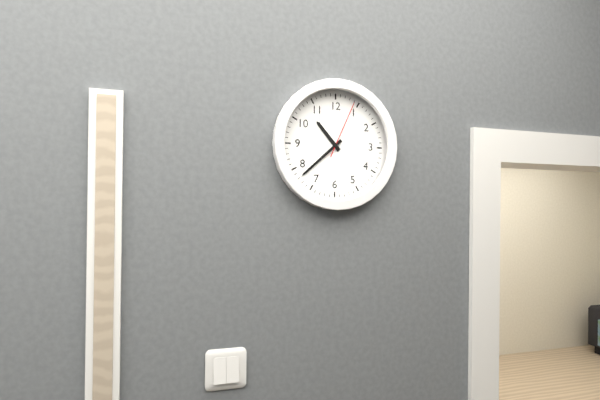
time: 10.38.04
